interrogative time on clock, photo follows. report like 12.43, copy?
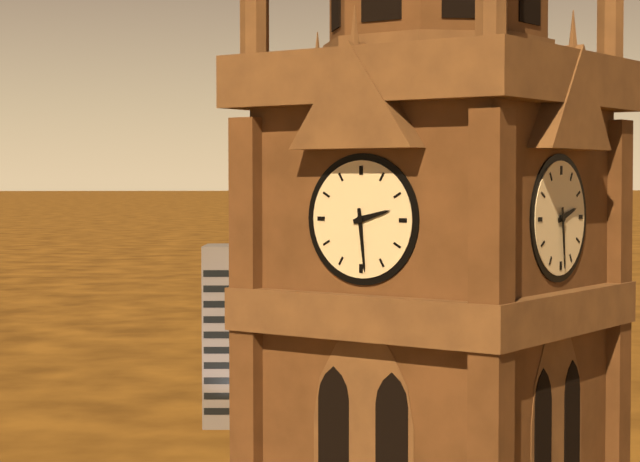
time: 2.29
